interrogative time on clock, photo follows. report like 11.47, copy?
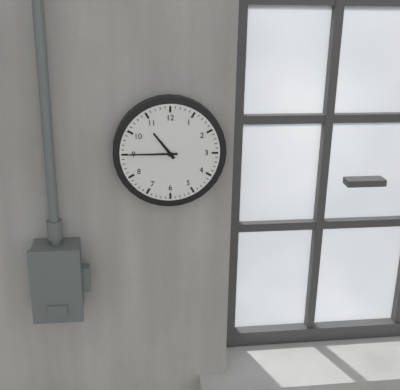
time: 10.45
